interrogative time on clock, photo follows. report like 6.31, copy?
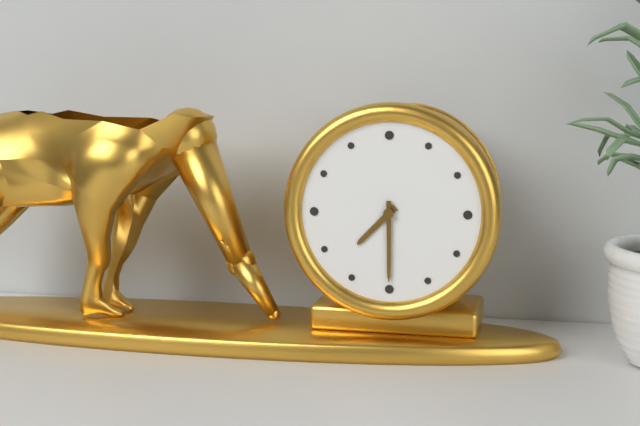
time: 7.30
